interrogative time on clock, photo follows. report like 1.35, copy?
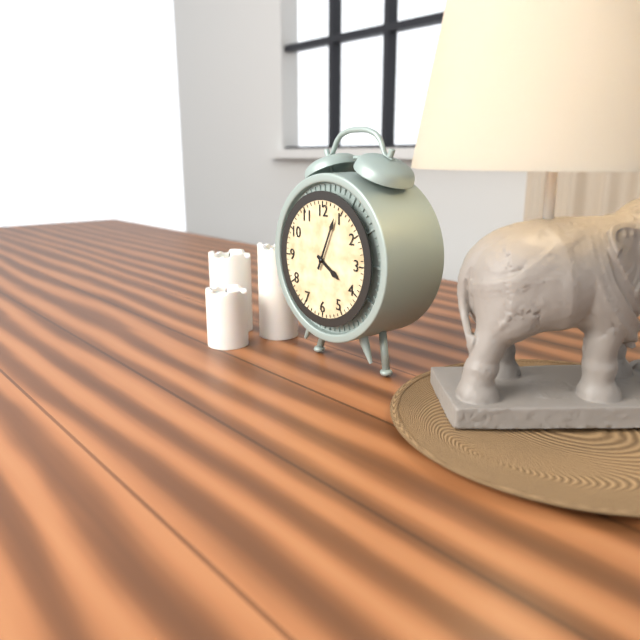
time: 4.04
